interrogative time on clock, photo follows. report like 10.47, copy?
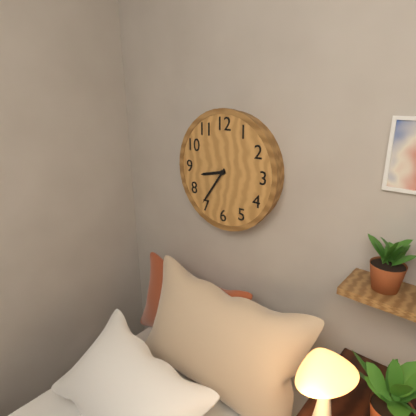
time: 8.36
